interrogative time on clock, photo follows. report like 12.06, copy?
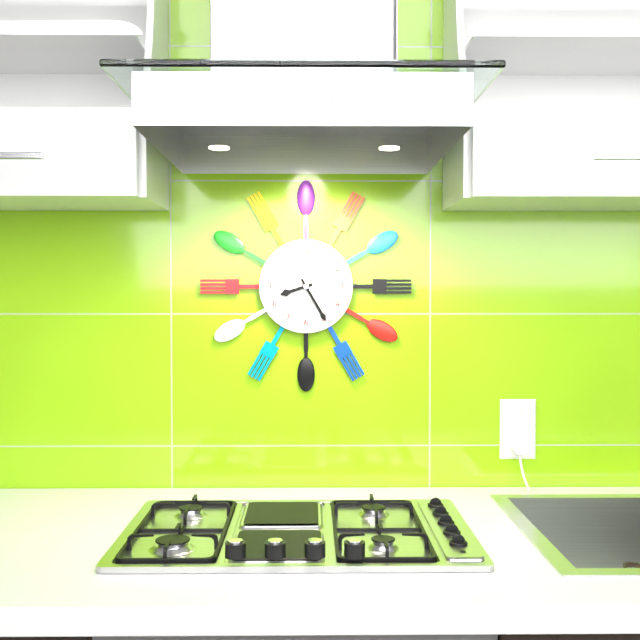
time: 8.25
